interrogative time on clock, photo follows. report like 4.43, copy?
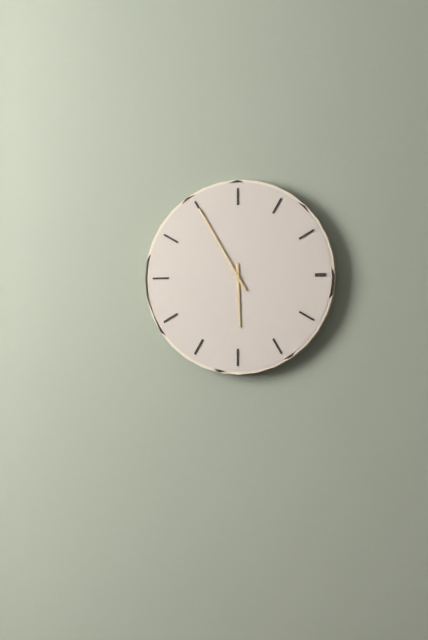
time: 5.55
